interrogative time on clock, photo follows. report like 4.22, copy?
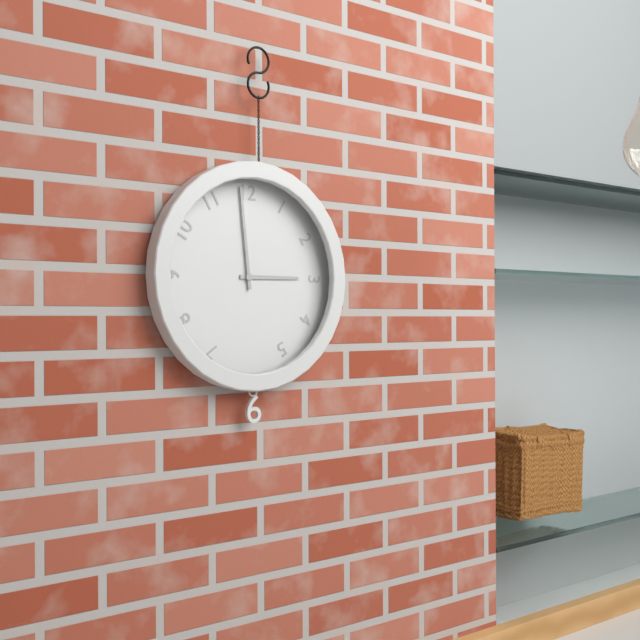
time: 2.59
